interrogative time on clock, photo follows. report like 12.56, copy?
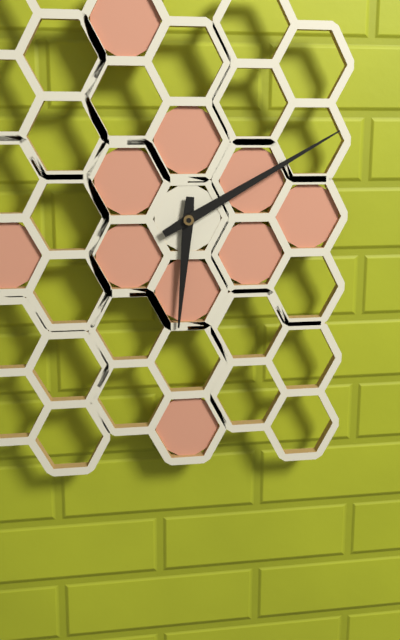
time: 6.10
